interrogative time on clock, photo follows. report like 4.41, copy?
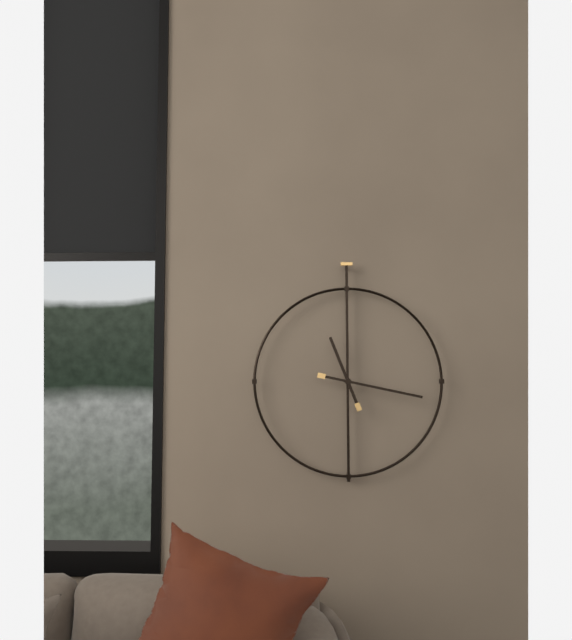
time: 11.17
